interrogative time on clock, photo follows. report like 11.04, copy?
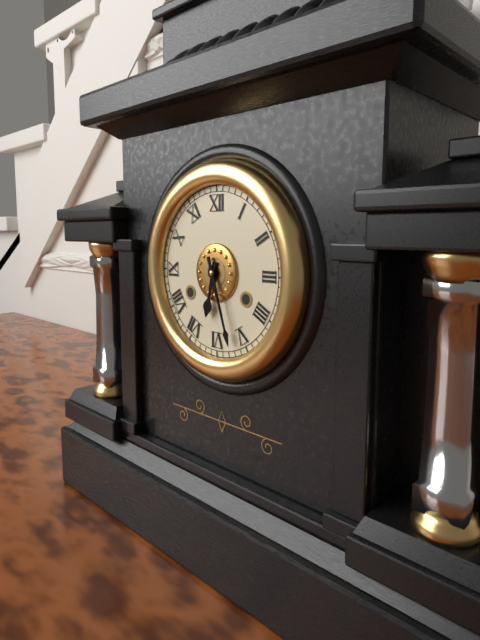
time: 6.27
